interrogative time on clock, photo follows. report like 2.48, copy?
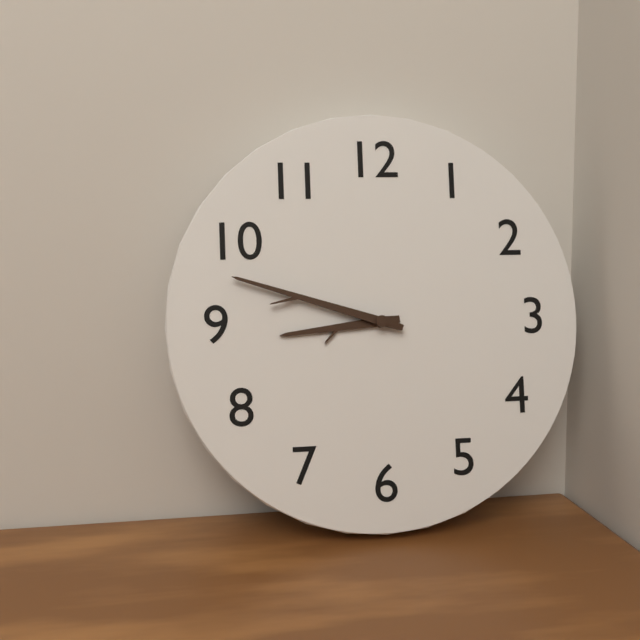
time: 8.48
